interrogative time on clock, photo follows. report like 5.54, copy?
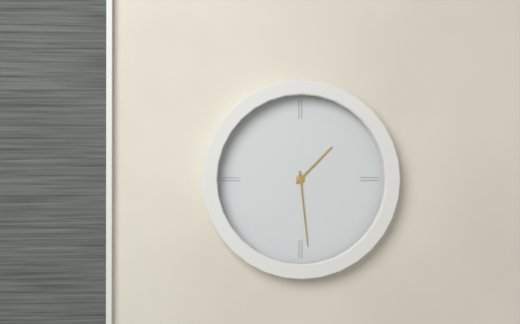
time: 1.29
